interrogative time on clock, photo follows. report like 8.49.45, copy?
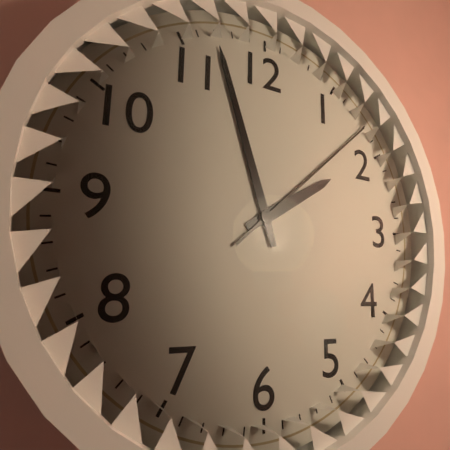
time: 1.57.08
